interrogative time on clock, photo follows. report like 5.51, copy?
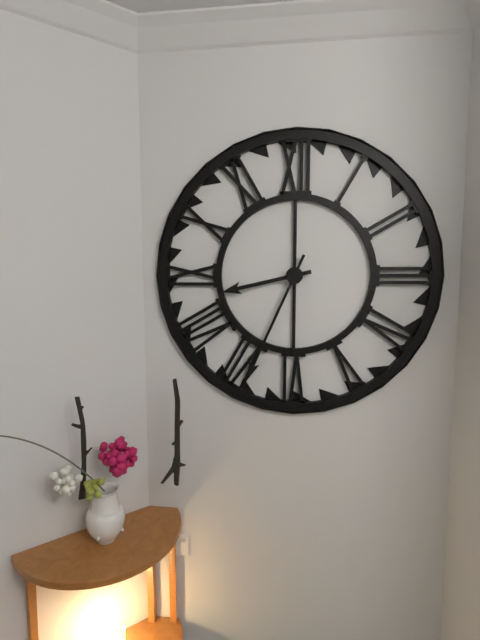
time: 8.34
